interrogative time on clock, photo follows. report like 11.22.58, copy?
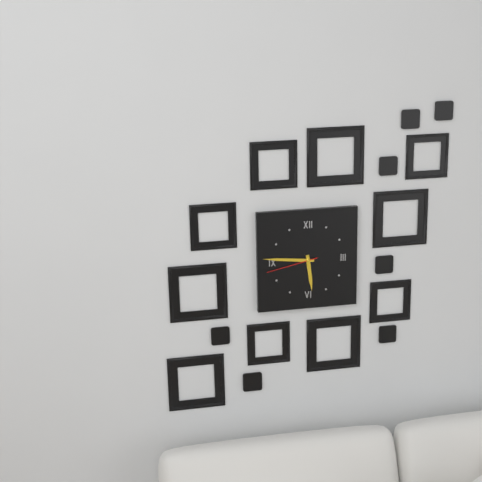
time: 5.46.43
